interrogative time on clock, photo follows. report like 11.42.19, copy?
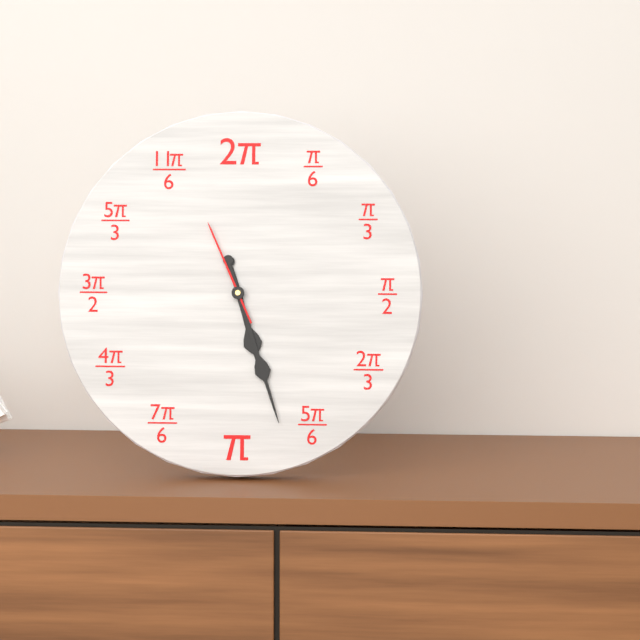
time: 5.27.56
